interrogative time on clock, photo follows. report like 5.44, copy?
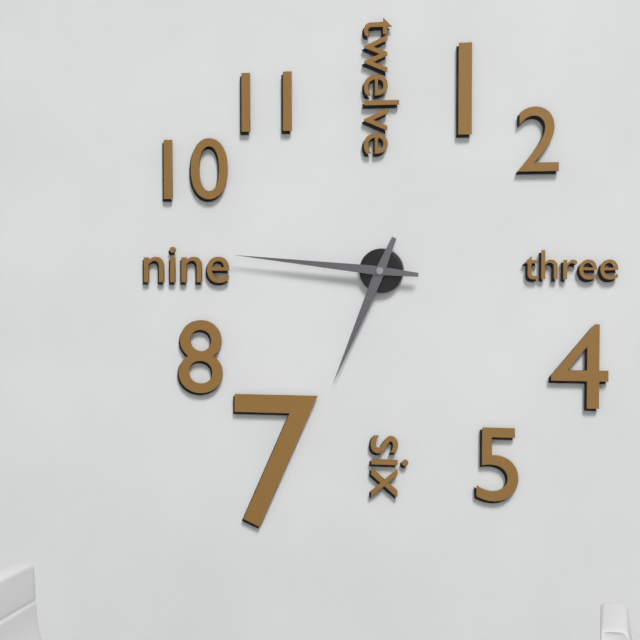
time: 6.46
